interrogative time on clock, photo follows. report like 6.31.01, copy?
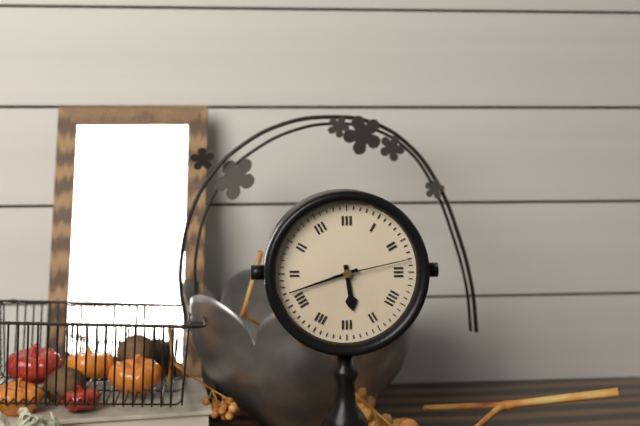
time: 5.42.13
